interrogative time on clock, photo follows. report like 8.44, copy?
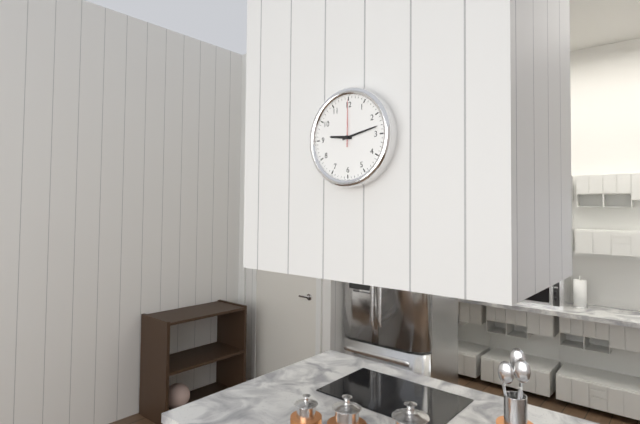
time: 9.13
